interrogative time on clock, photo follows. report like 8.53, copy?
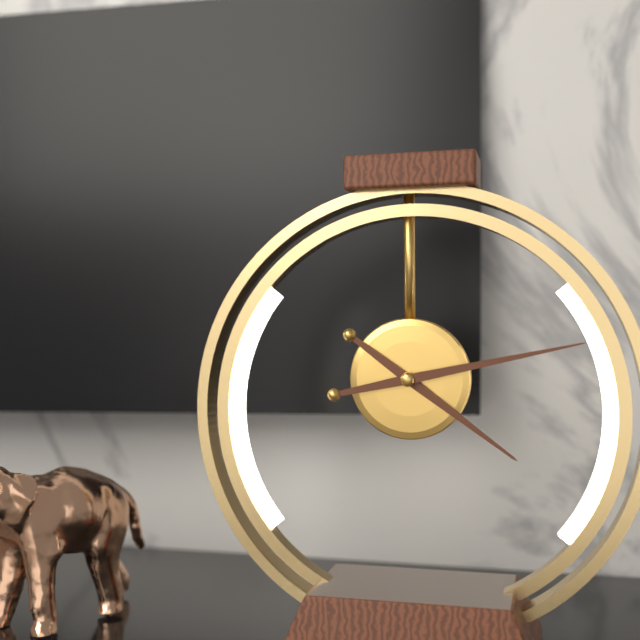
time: 4.13
